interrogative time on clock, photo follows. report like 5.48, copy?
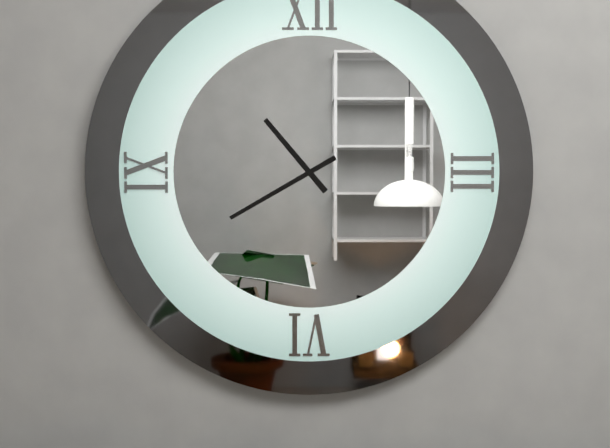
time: 10.40
